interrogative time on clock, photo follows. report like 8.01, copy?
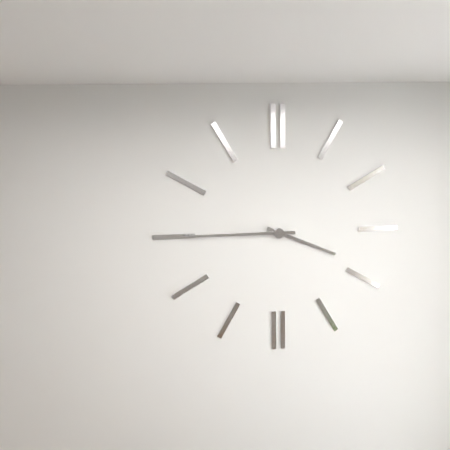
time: 3.45
